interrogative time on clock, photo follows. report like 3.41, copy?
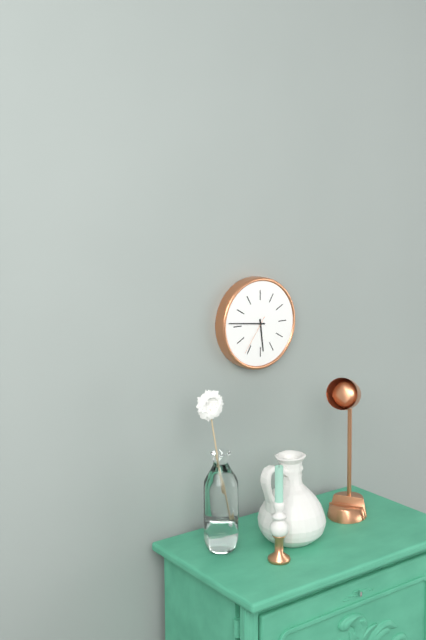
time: 5.46
